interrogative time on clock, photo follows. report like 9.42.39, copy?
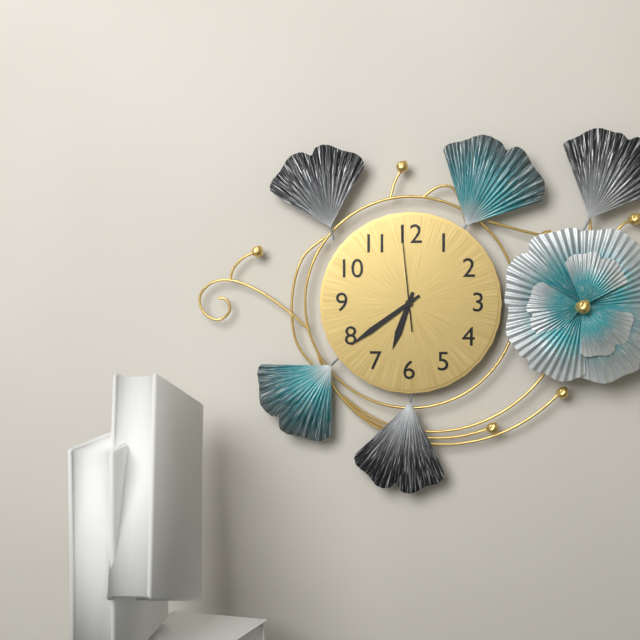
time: 6.39.59
